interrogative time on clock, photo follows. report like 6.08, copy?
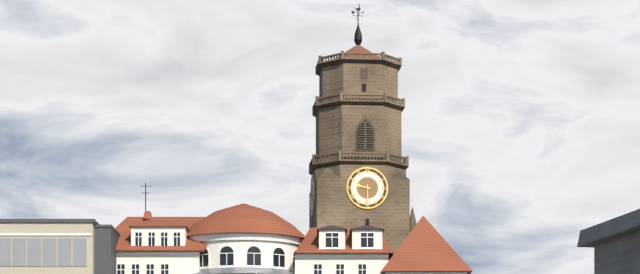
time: 9.30
